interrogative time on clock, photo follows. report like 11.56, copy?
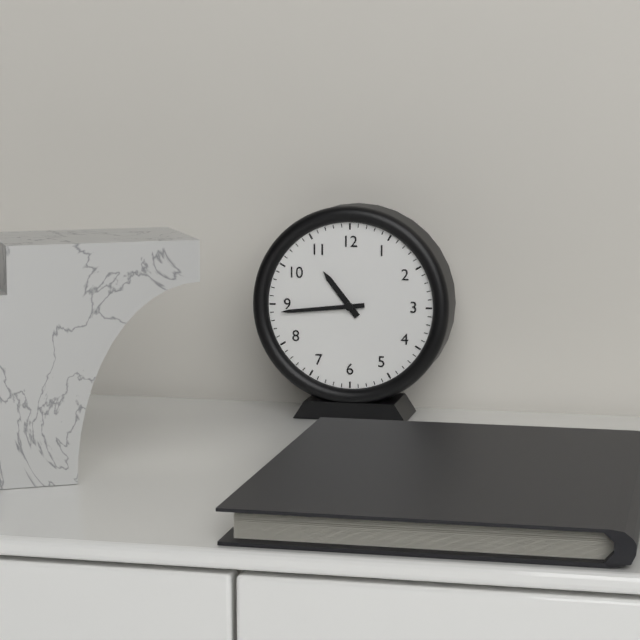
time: 10.44
